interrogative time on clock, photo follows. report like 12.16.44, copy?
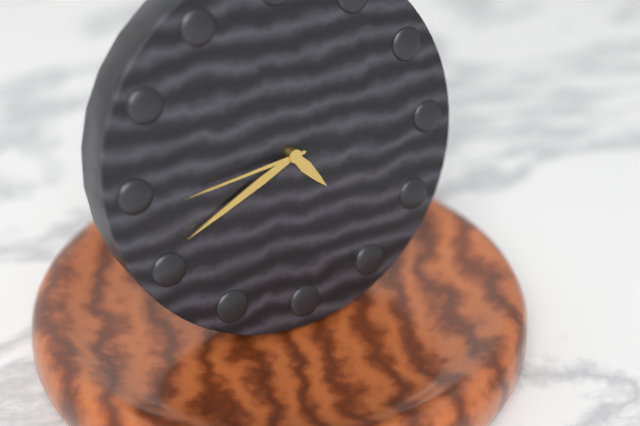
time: 4.41.44
